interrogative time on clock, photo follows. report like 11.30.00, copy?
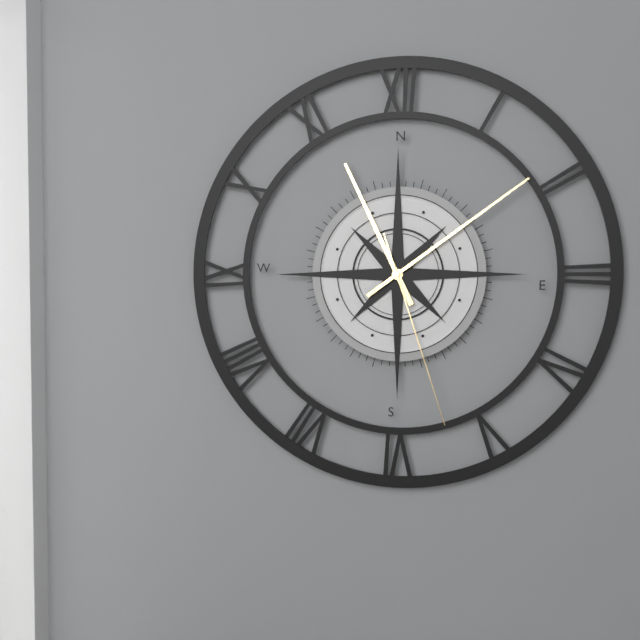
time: 11.09.27
